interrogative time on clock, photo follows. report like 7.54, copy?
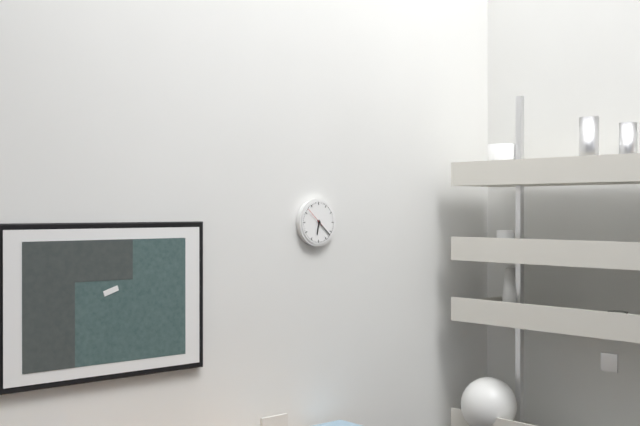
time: 6.22
